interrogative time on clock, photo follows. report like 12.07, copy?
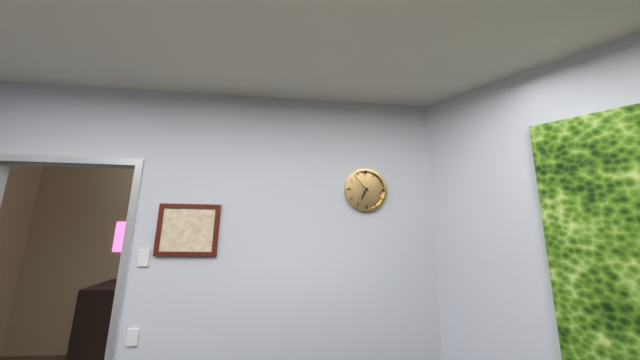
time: 6.53
